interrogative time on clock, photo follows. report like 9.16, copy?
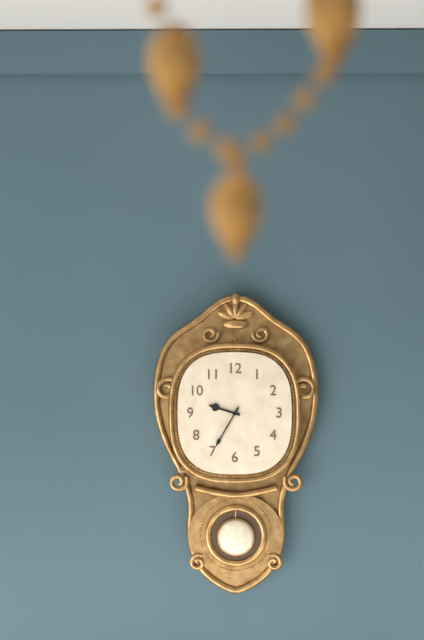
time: 9.35
